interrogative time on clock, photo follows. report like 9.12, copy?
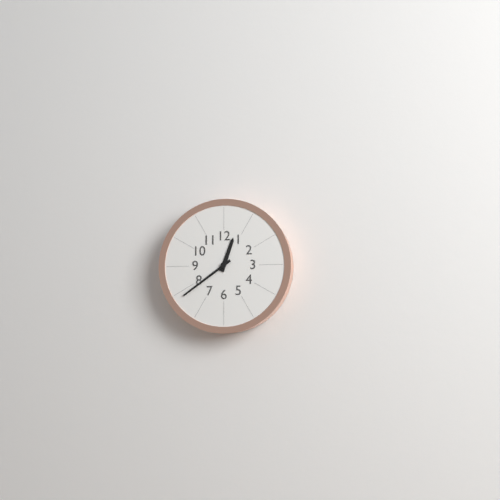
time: 12.39
